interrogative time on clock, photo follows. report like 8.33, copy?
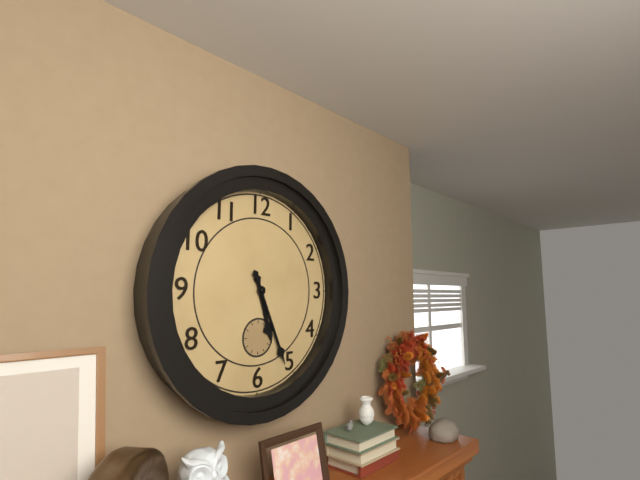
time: 5.26
